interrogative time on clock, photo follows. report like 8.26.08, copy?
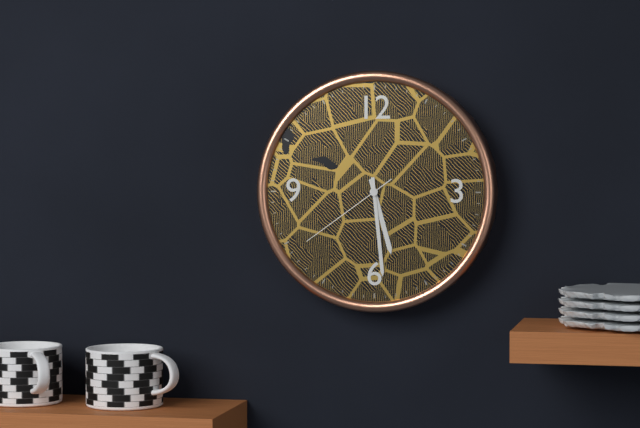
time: 5.29.39
